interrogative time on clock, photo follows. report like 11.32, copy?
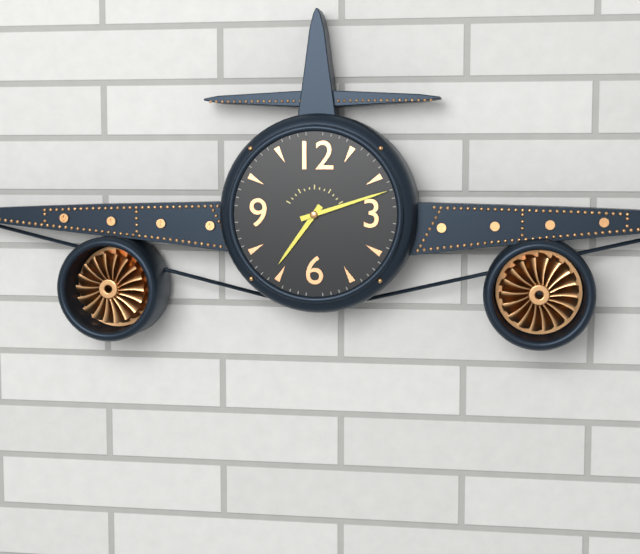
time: 7.12
